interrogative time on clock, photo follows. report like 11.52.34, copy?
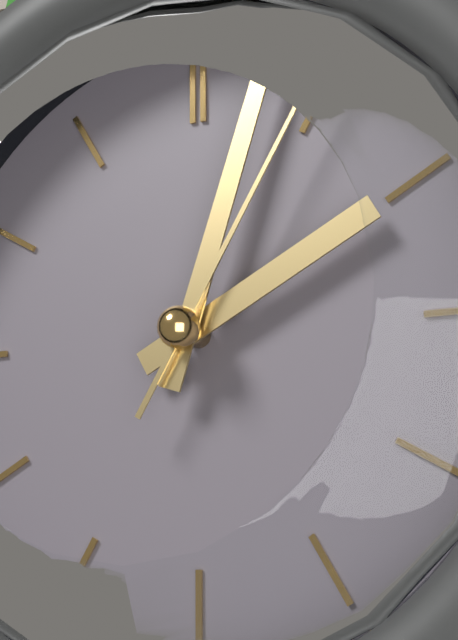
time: 2.03.05
